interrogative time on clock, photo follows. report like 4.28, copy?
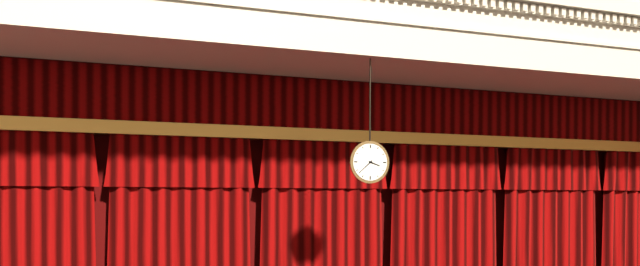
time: 3.38
